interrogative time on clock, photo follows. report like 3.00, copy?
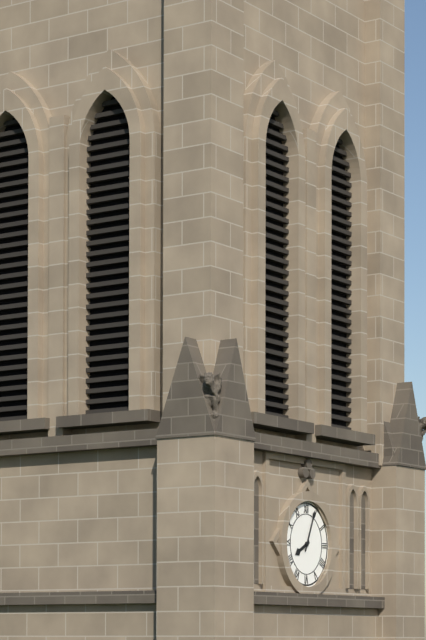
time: 8.04
